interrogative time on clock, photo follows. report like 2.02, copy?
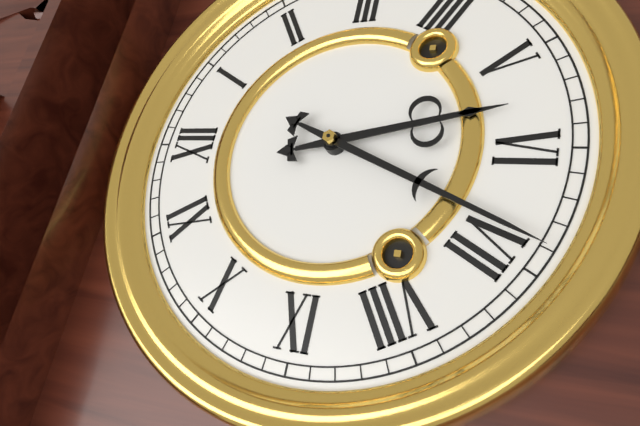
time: 5.34
